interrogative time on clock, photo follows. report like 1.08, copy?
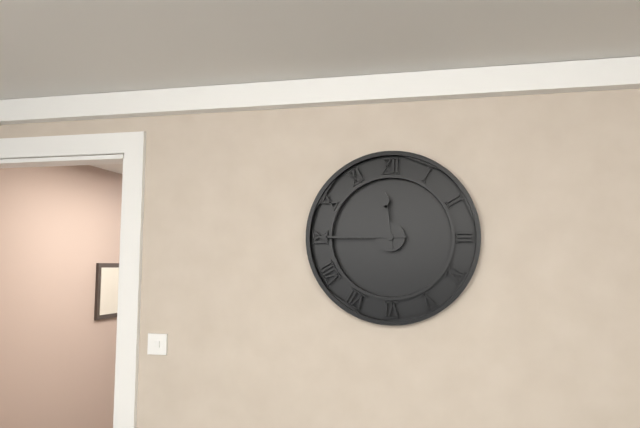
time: 11.45
